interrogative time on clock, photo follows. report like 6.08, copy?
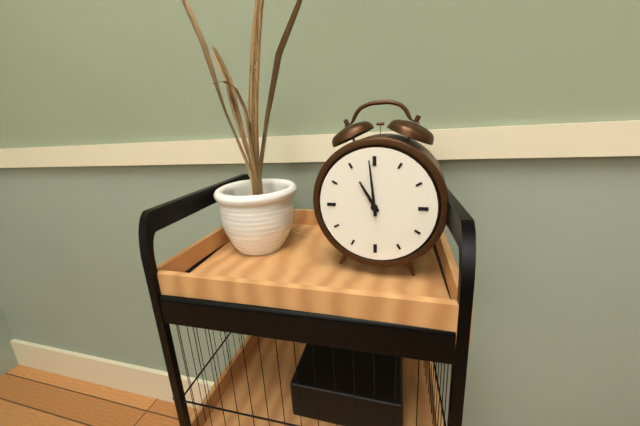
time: 10.59
